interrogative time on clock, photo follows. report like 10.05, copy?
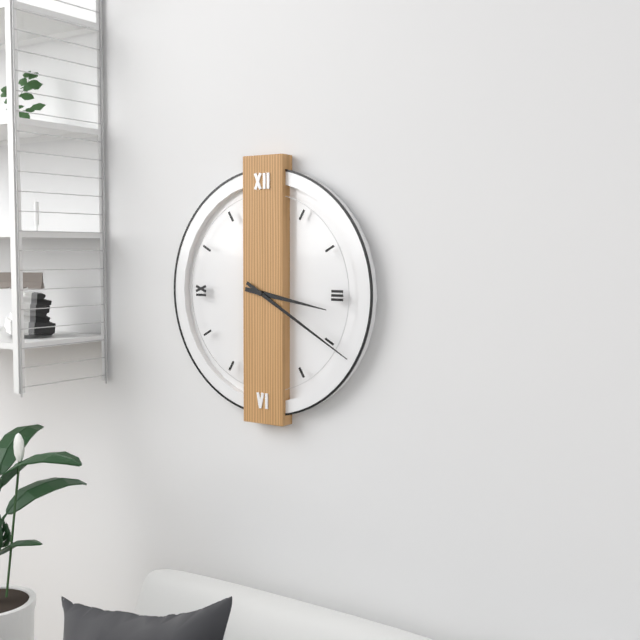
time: 3.20
